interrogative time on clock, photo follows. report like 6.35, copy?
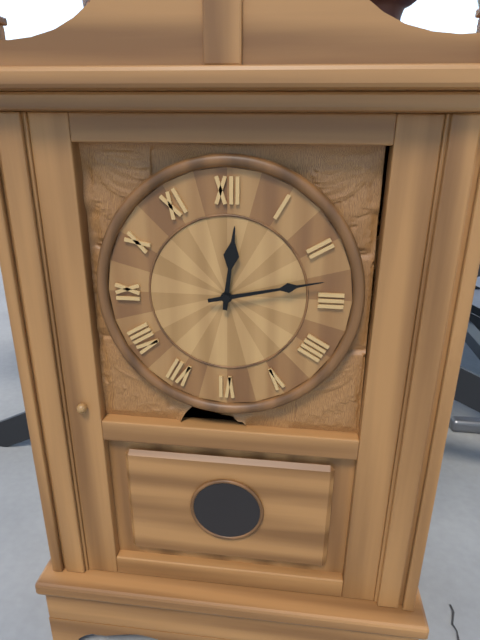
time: 12.13
